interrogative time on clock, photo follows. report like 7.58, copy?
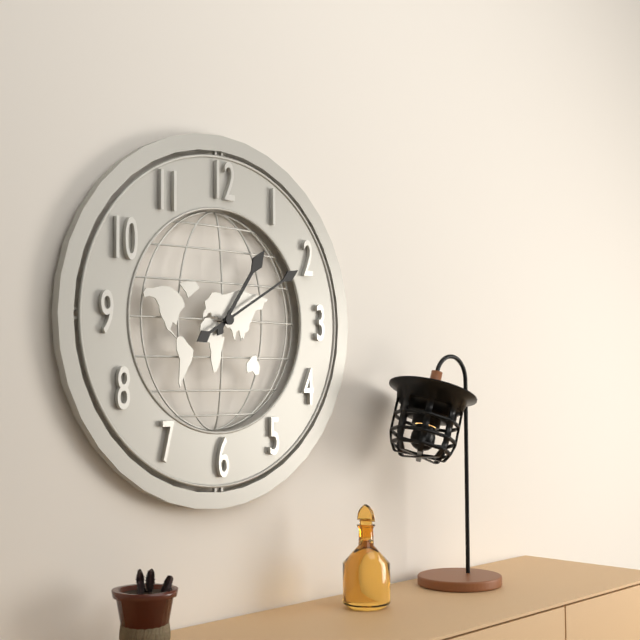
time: 1.10
